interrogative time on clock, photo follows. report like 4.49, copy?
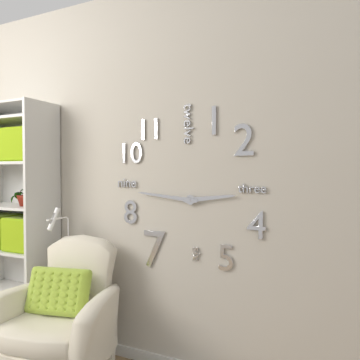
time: 2.46
